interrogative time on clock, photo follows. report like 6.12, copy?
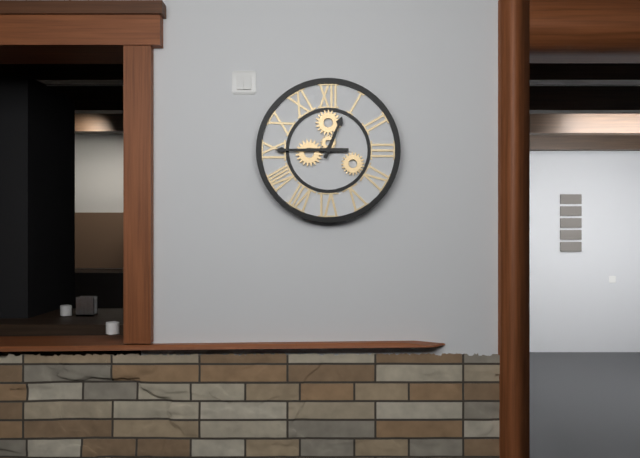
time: 12.45
